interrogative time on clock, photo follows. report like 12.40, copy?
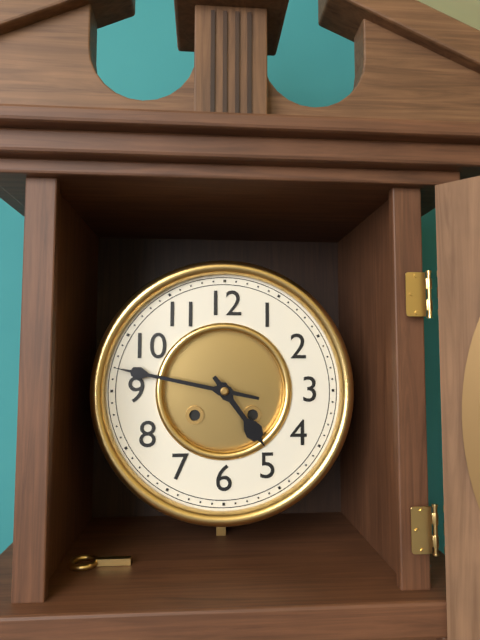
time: 4.47
